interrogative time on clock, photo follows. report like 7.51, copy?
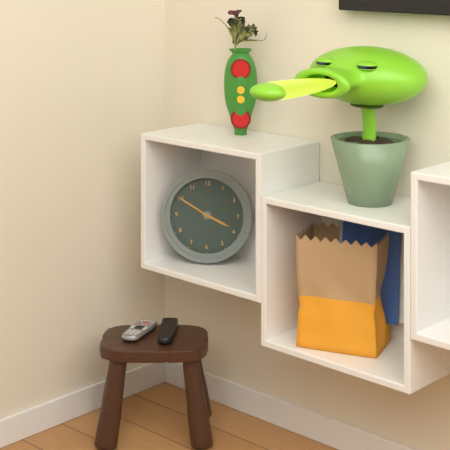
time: 3.50
